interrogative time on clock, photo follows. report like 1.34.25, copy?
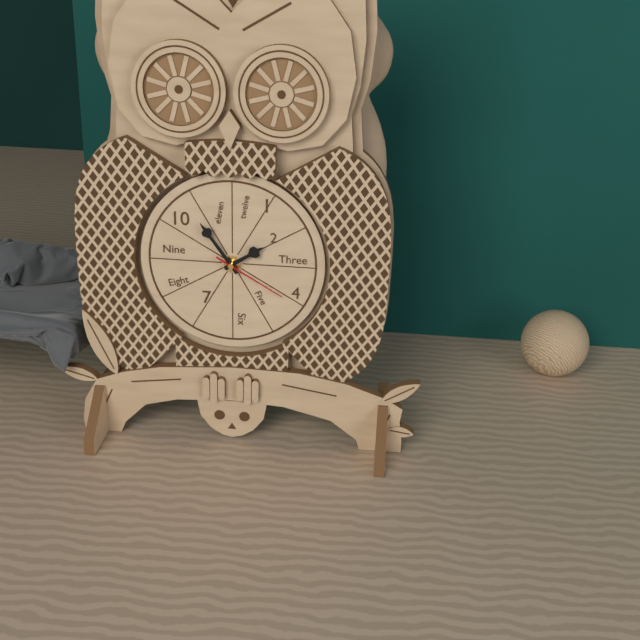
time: 1.54.20
